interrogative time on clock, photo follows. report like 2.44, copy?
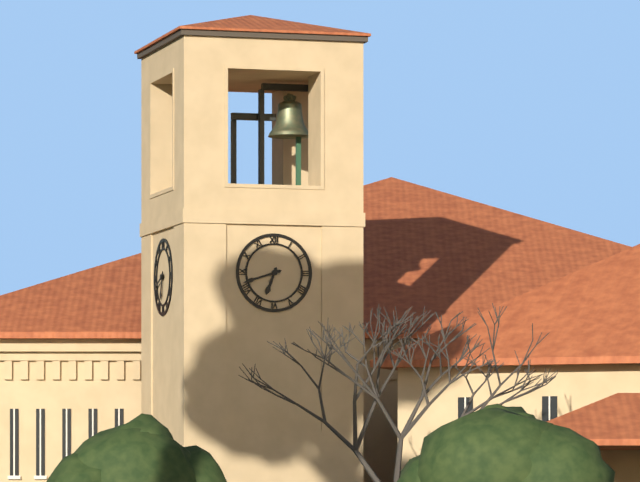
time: 6.42
